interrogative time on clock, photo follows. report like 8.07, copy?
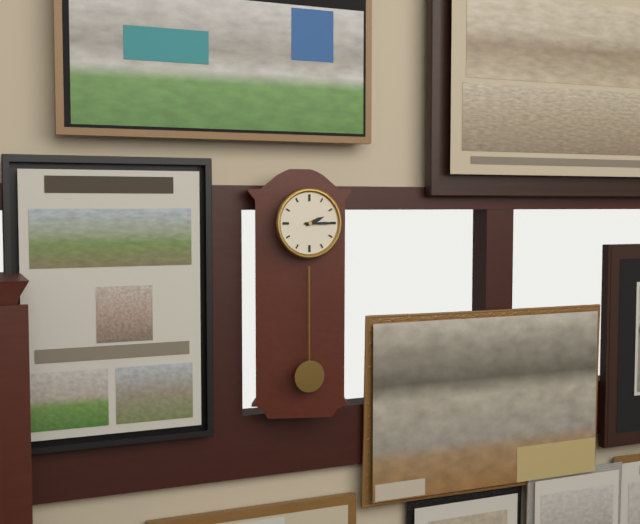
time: 2.15
